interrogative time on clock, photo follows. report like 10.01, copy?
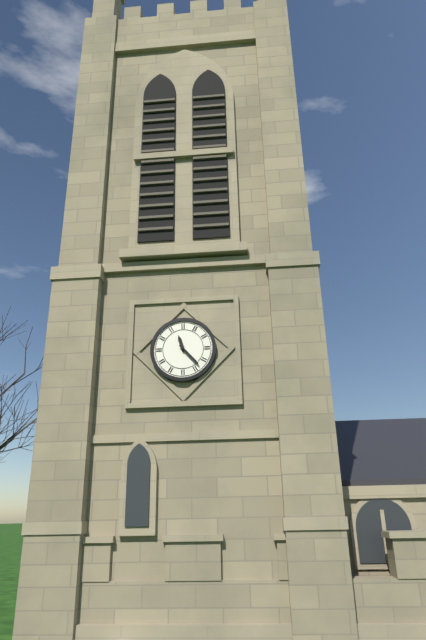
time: 11.23
